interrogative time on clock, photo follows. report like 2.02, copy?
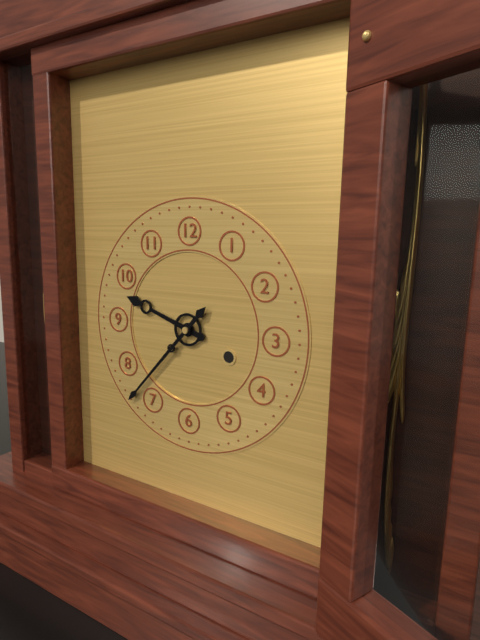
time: 9.37
